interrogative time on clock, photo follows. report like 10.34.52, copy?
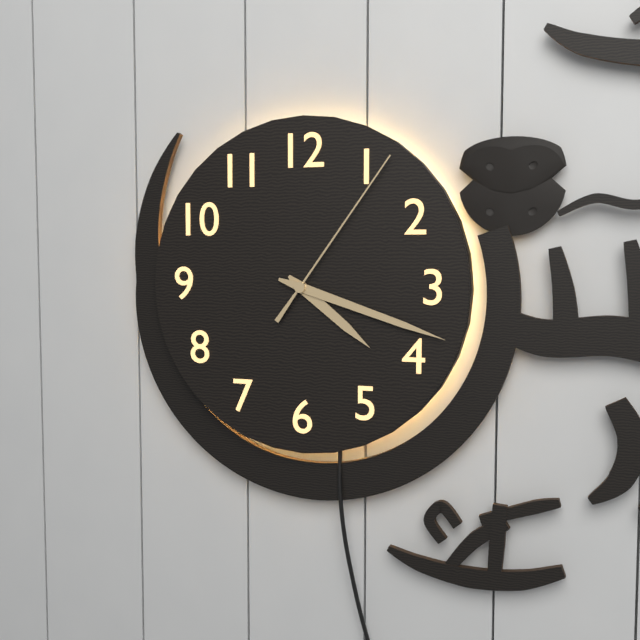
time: 4.18.06
